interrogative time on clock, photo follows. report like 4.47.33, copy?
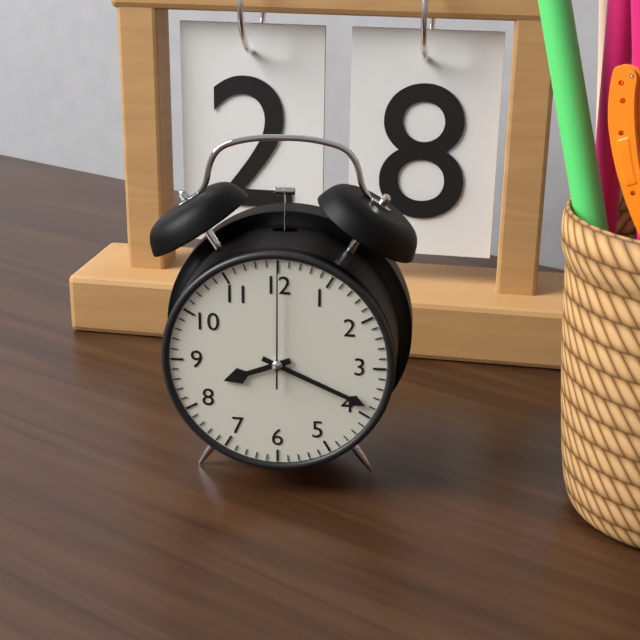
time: 8.19.00
